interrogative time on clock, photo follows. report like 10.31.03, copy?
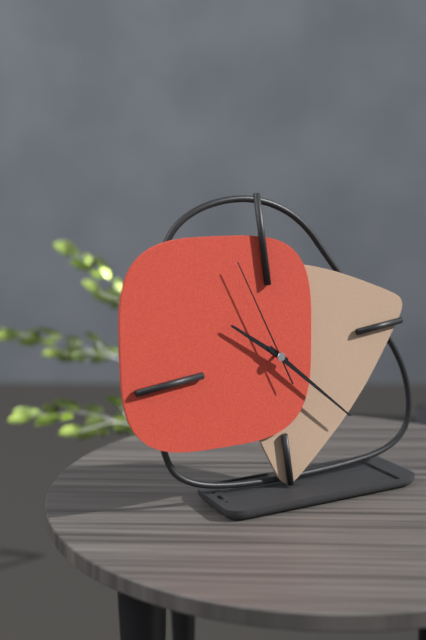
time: 10.23.57
